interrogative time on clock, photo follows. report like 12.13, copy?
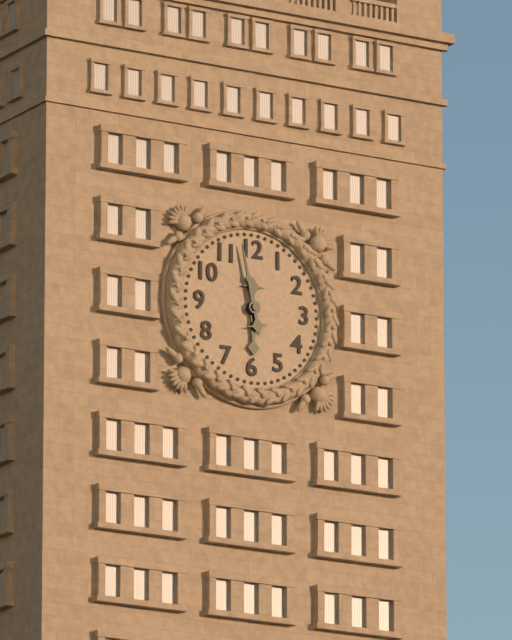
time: 5.58
